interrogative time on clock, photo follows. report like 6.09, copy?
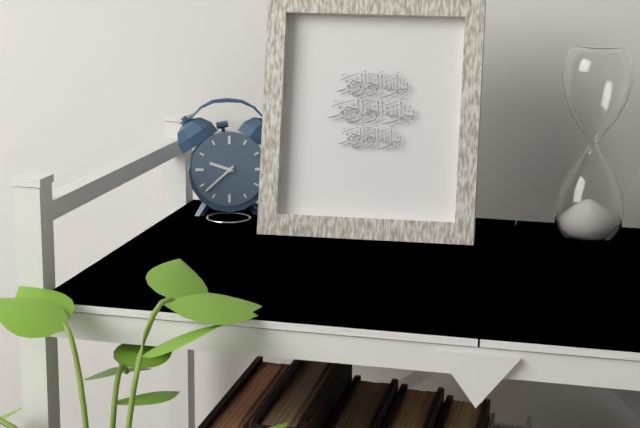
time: 9.38
